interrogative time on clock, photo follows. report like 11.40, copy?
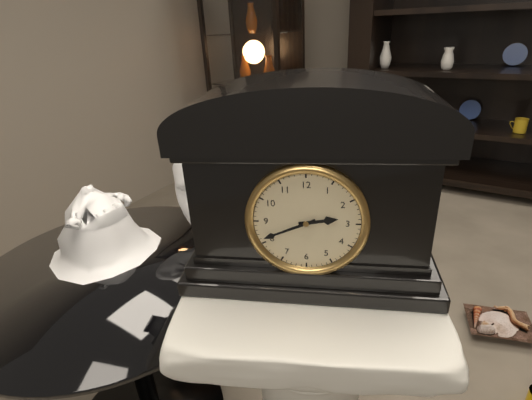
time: 2.41
